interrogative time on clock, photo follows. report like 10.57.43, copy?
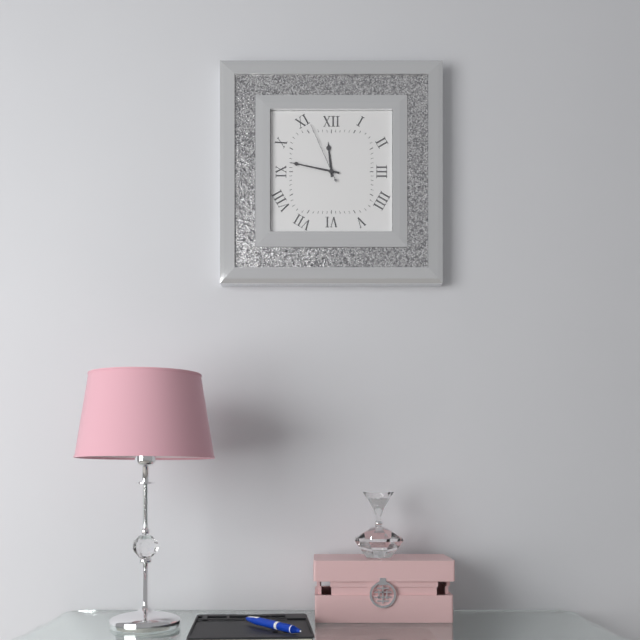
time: 11.47.56
